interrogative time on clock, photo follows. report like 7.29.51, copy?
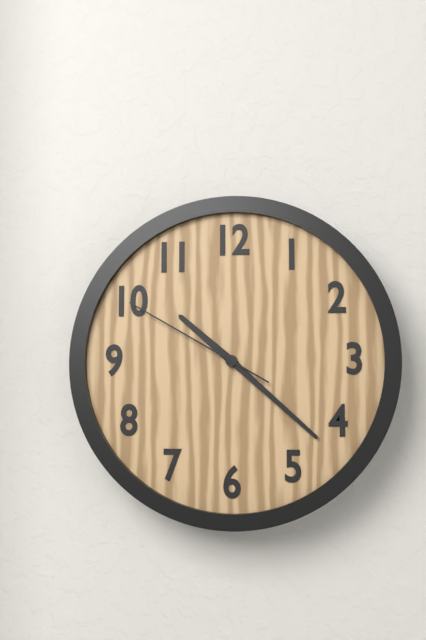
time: 10.22.50
